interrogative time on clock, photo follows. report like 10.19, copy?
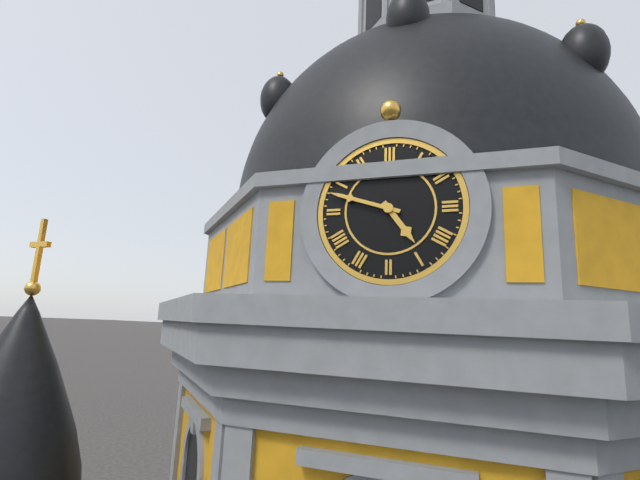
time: 4.48
